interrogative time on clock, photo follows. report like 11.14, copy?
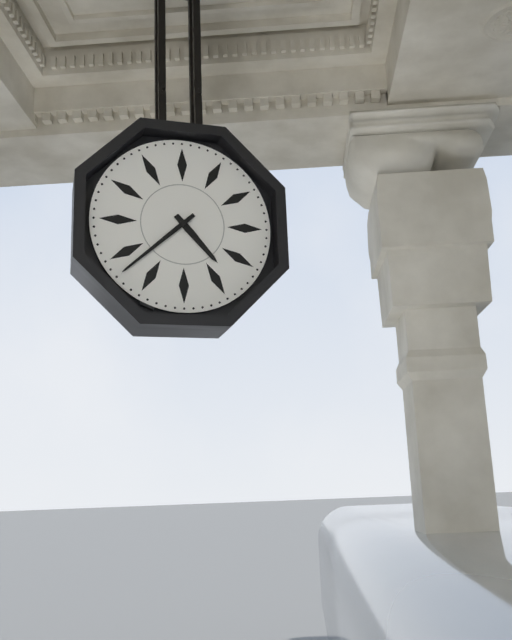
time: 4.38
